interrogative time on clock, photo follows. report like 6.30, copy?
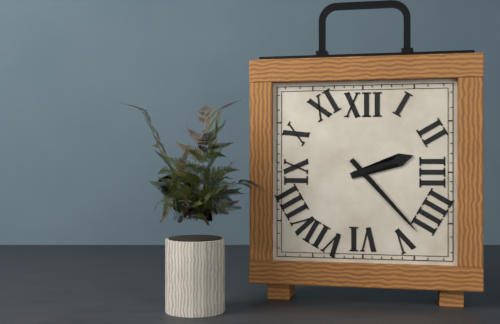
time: 2.23
